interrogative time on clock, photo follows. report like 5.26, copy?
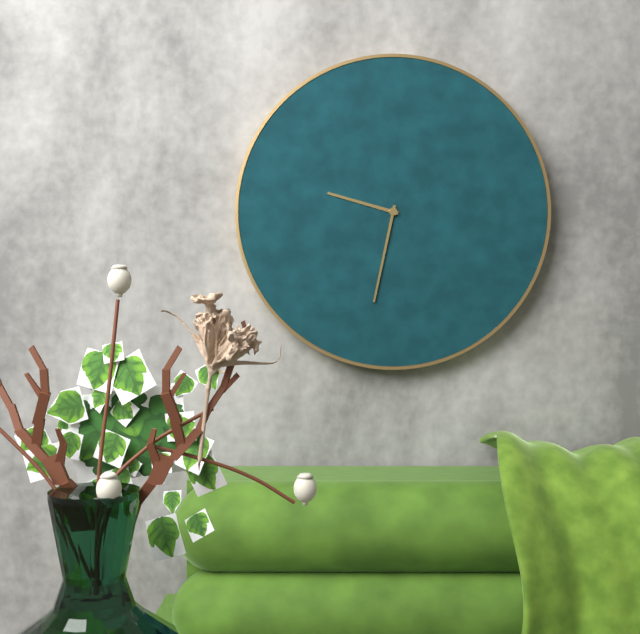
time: 9.32
